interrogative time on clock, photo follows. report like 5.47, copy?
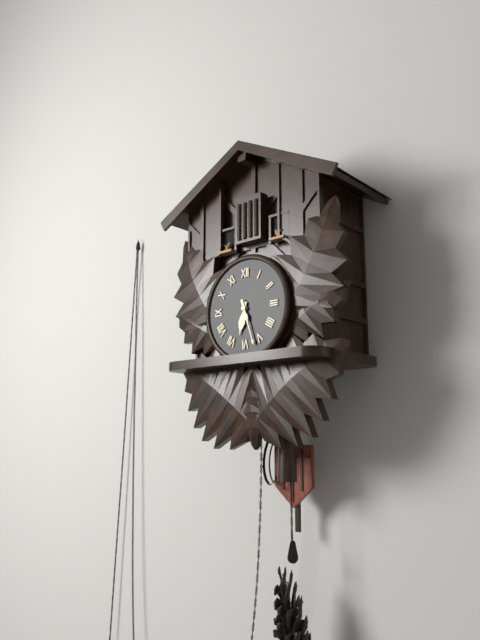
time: 6.27
